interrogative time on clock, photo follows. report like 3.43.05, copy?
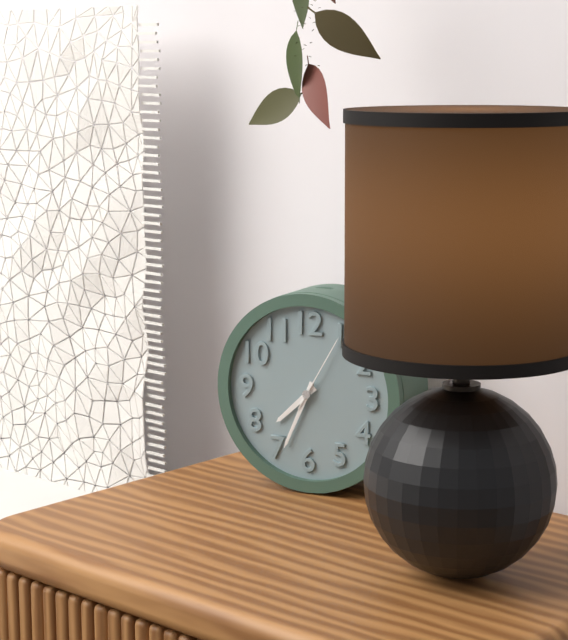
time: 7.34.05
